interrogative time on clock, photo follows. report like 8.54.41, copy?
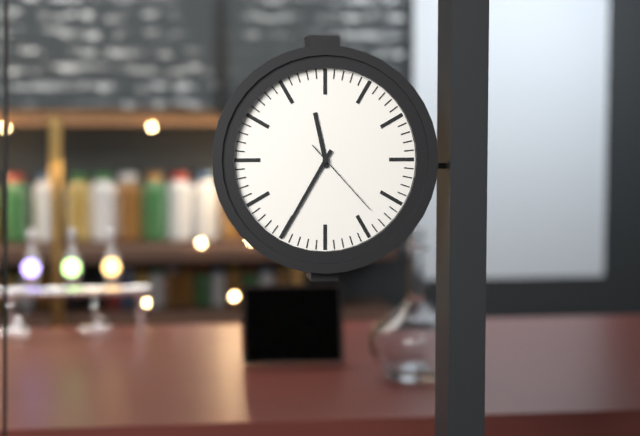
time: 11.35.23
